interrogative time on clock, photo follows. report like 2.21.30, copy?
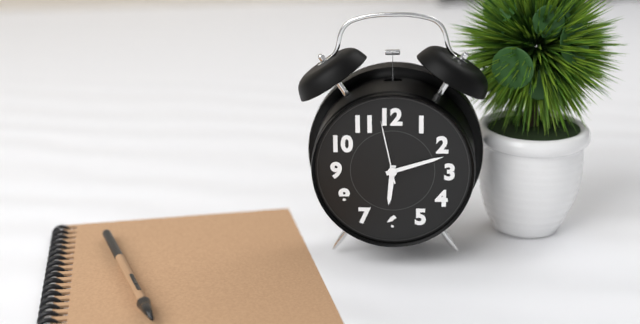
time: 6.12.58
